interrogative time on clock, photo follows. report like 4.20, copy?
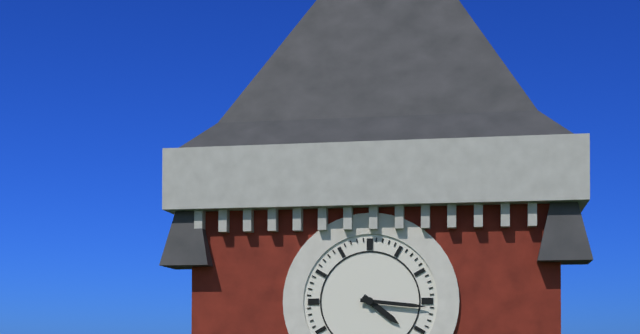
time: 4.16
